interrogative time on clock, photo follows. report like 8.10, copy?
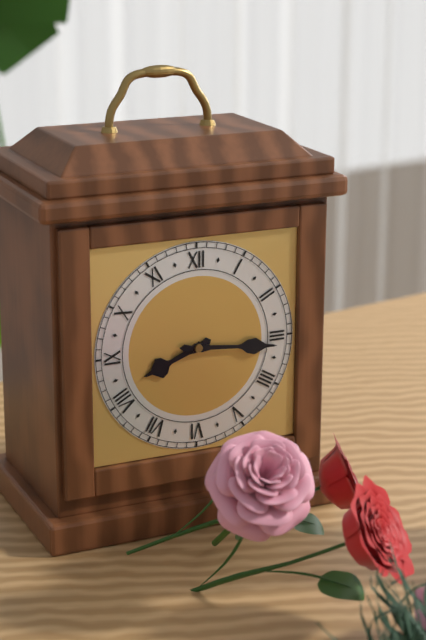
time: 8.16
